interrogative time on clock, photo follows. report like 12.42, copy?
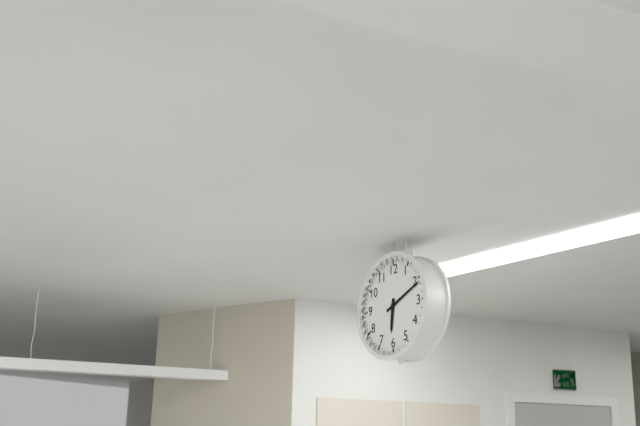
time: 6.11
